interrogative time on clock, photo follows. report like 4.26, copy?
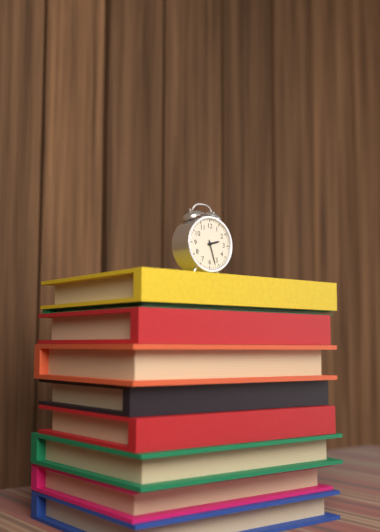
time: 2.27
